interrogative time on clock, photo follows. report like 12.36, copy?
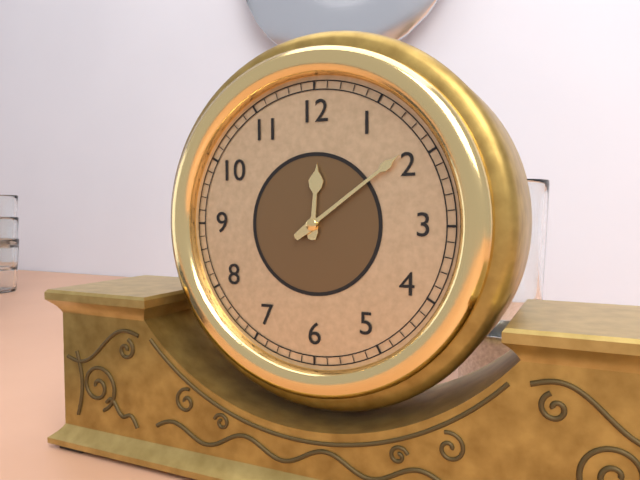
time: 12.09
